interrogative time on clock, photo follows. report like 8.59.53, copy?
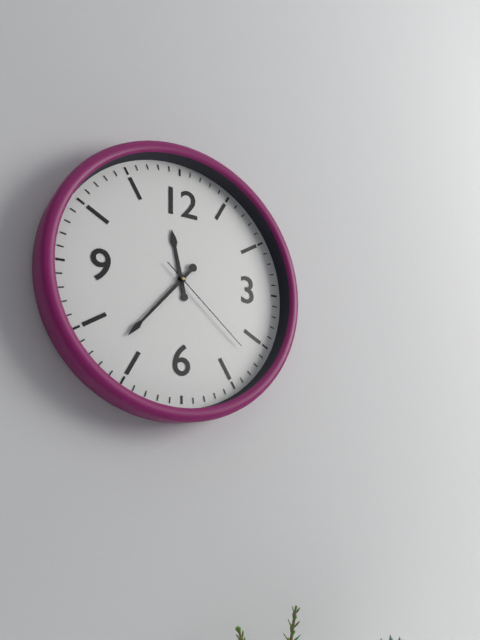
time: 11.37.22
